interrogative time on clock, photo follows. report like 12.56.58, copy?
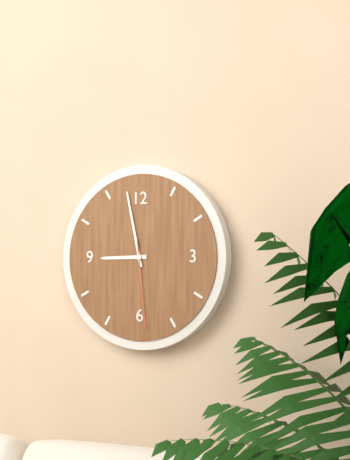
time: 8.58.29
